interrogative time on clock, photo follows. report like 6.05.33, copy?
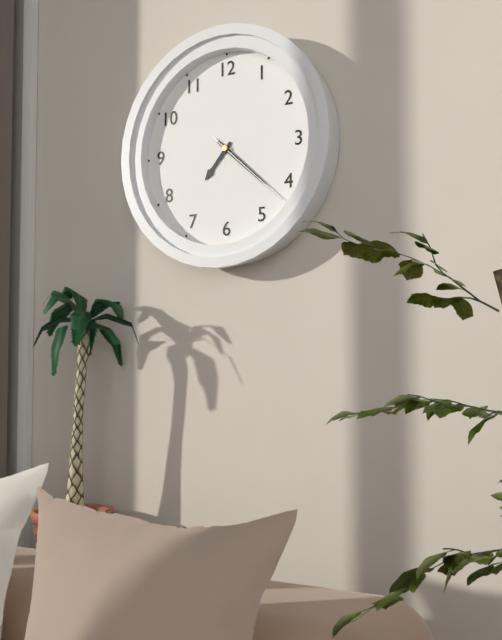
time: 7.22.22
